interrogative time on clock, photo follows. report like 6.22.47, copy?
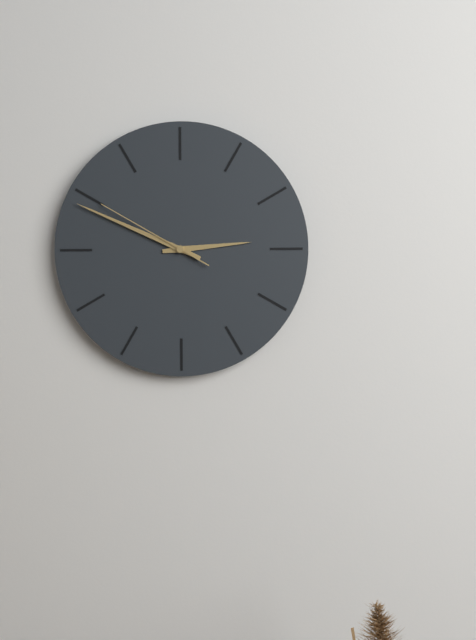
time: 2.49.50
